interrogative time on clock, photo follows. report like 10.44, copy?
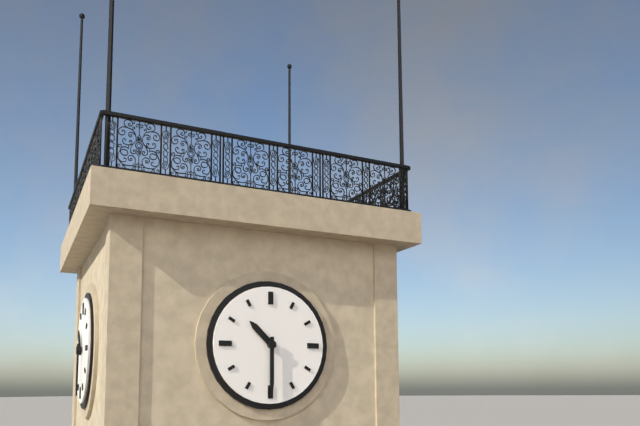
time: 10.30
